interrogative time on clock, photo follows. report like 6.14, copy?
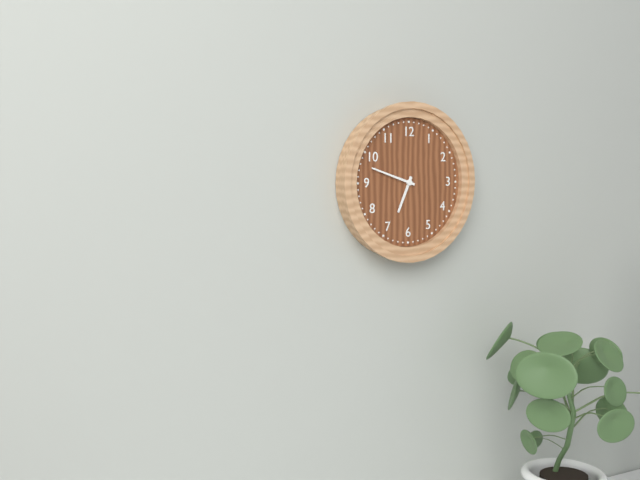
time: 6.48
